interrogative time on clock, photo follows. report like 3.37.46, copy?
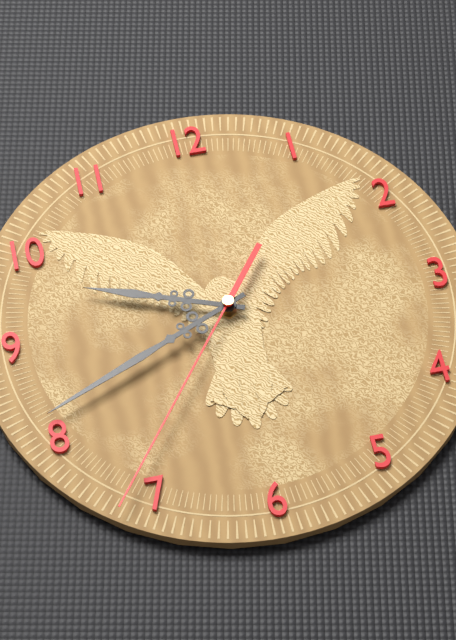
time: 9.41.36
